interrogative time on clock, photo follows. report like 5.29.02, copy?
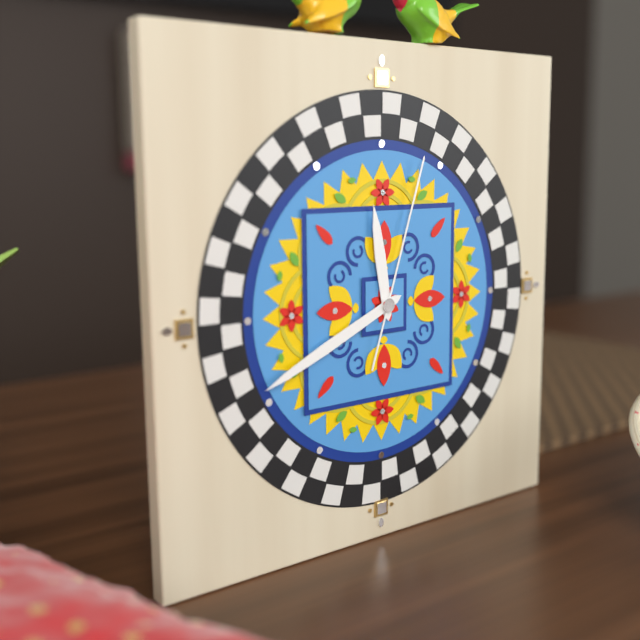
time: 11.41.03
